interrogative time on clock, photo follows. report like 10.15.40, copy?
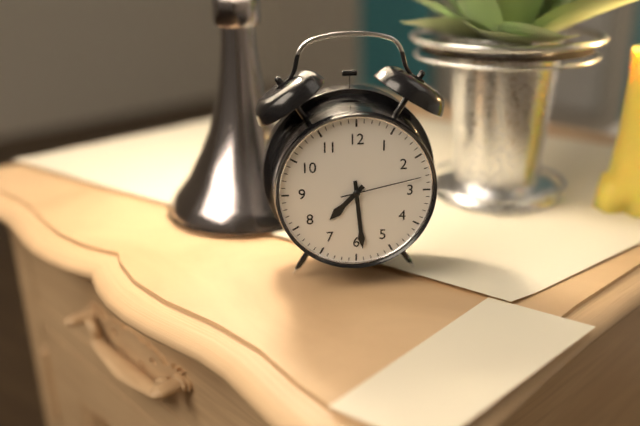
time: 7.29.13
